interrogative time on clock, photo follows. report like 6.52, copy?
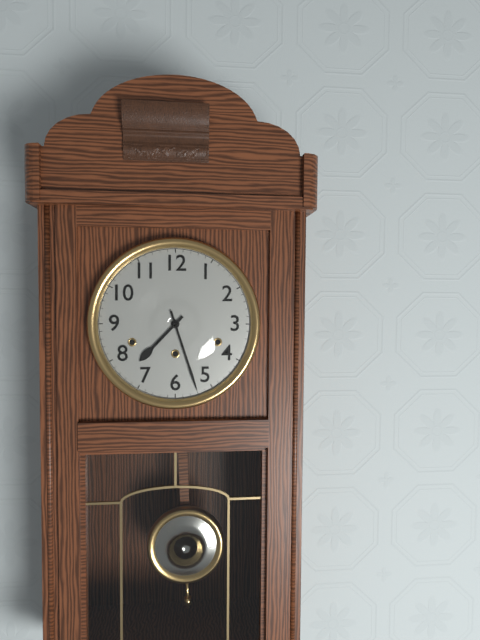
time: 7.27
